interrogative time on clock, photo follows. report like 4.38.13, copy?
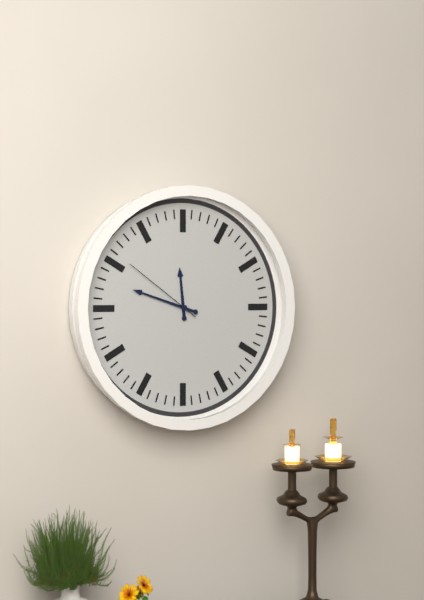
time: 11.48.51
